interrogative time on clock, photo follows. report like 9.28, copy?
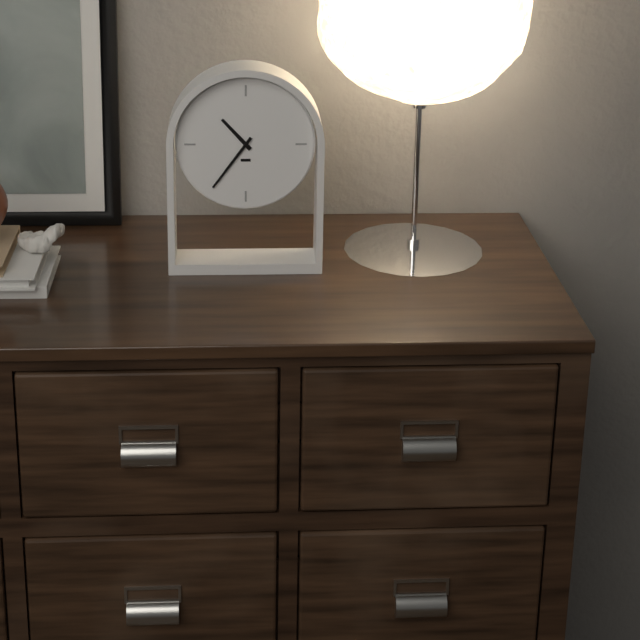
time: 10.36
